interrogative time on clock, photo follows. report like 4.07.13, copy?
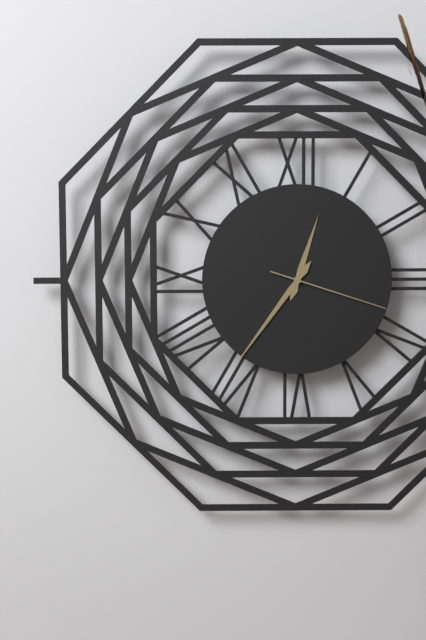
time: 12.36.18
